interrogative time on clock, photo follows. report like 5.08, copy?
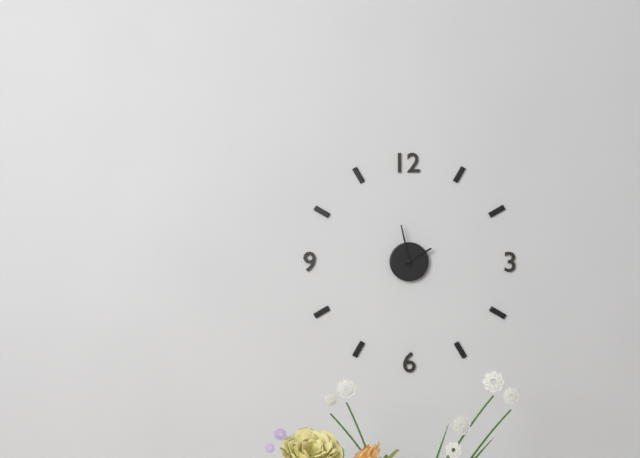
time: 1.58
